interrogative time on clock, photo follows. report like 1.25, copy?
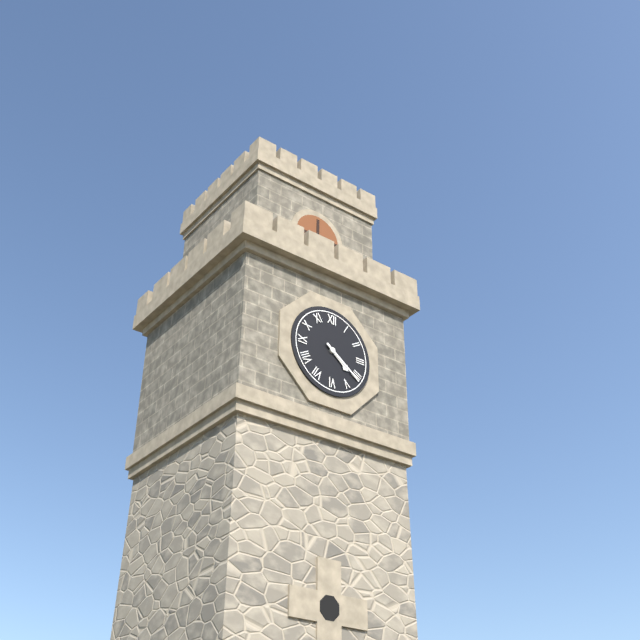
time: 4.21
